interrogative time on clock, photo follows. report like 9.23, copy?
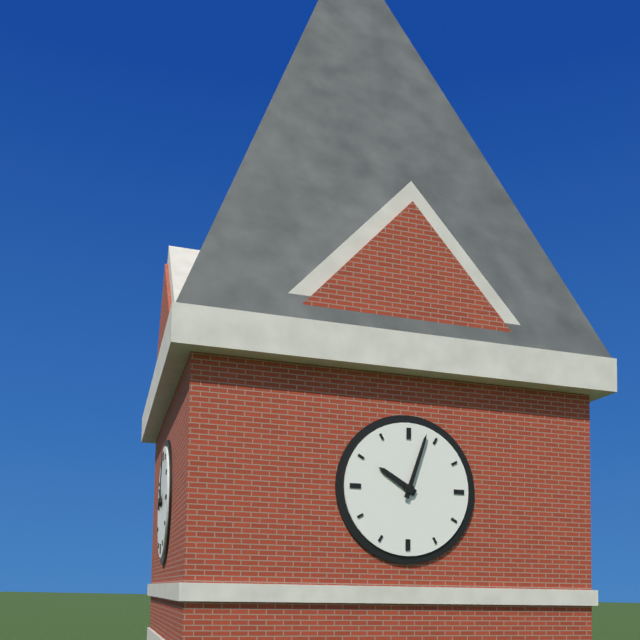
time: 10.03
